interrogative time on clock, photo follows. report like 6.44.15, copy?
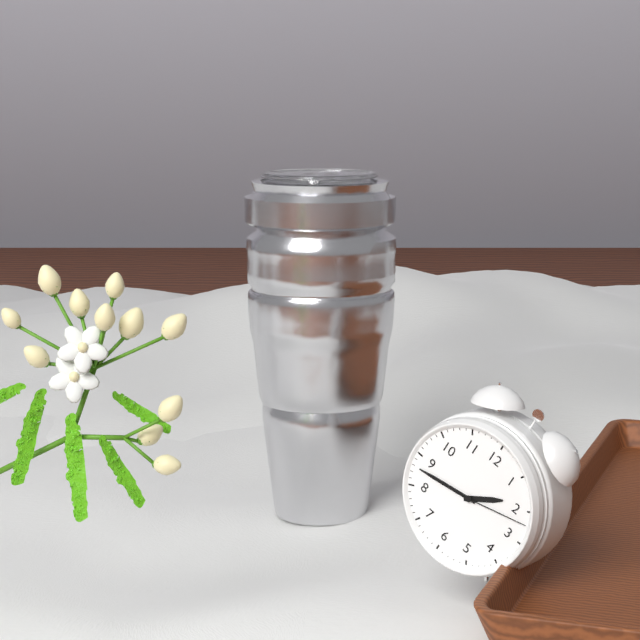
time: 1.43.12
